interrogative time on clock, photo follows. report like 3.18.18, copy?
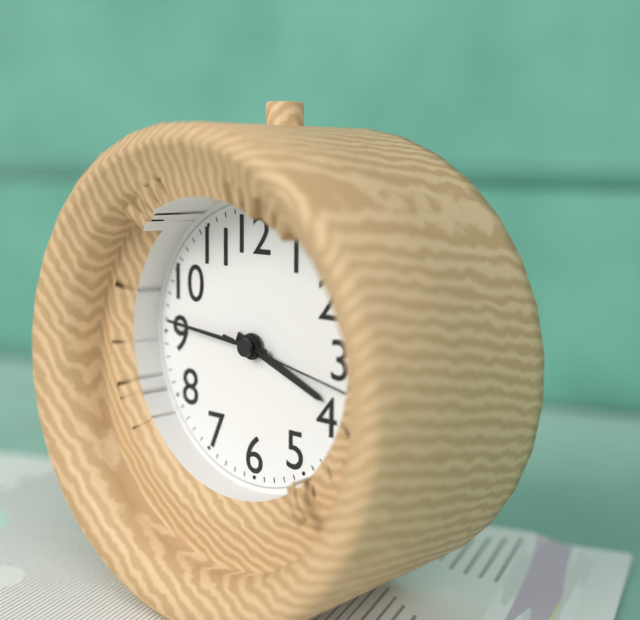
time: 3.46.17
